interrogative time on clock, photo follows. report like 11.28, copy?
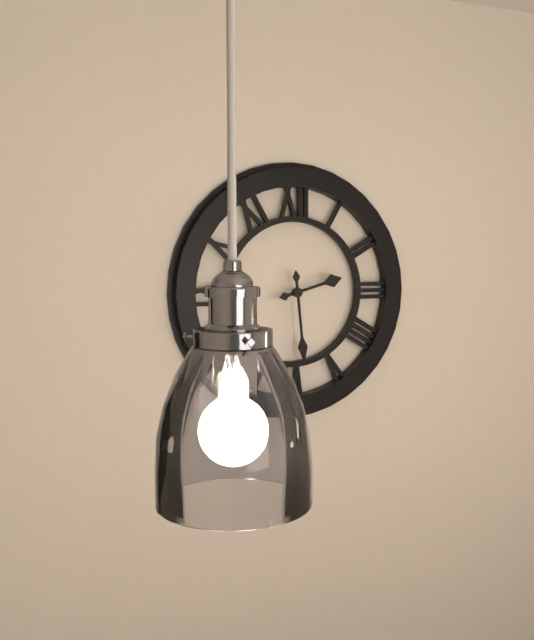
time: 2.29
